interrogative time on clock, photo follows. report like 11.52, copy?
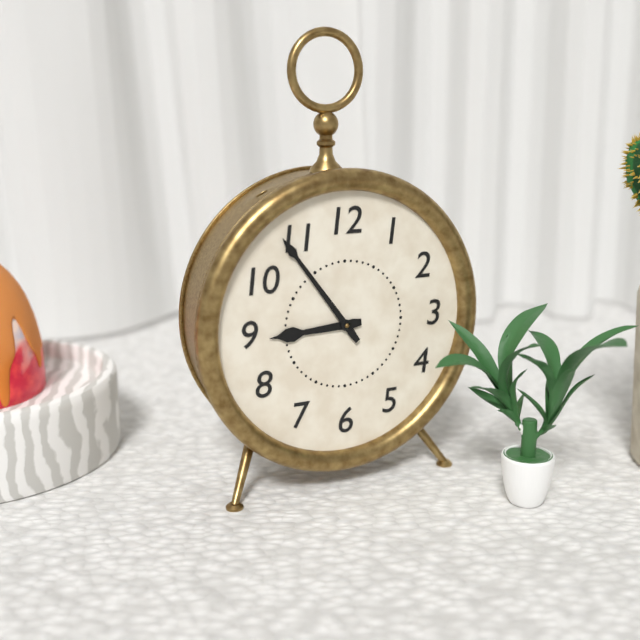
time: 8.54
